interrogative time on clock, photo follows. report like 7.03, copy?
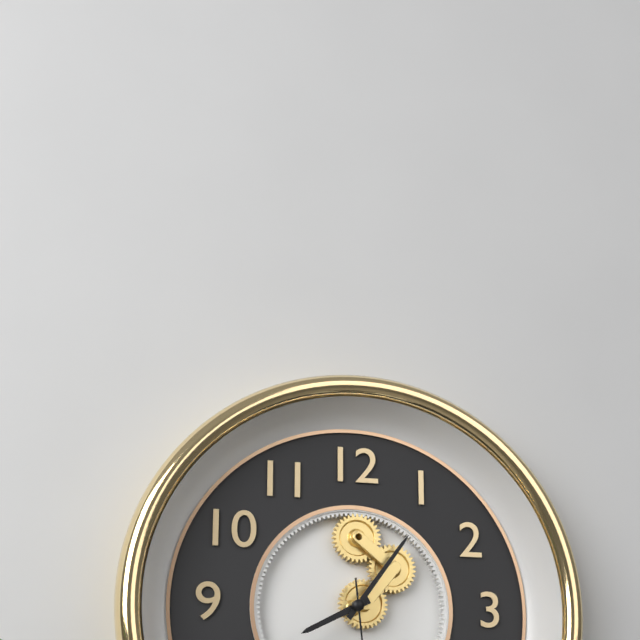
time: 8.06
